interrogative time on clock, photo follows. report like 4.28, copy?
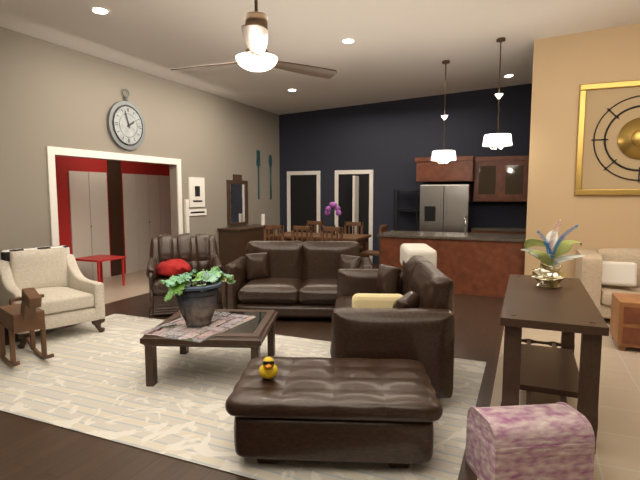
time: 1.57
